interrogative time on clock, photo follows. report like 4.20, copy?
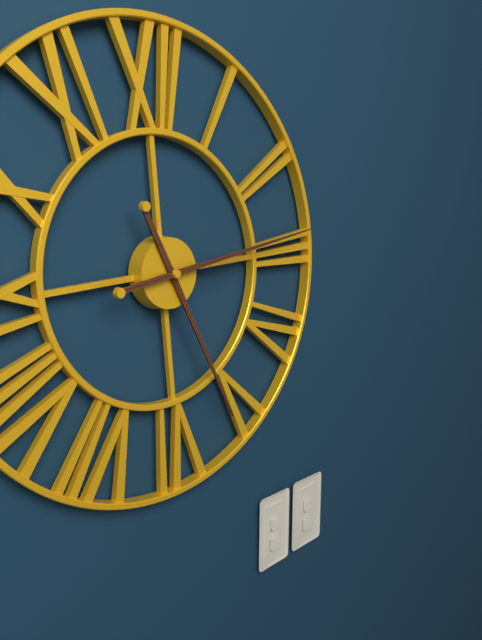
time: 5.14
